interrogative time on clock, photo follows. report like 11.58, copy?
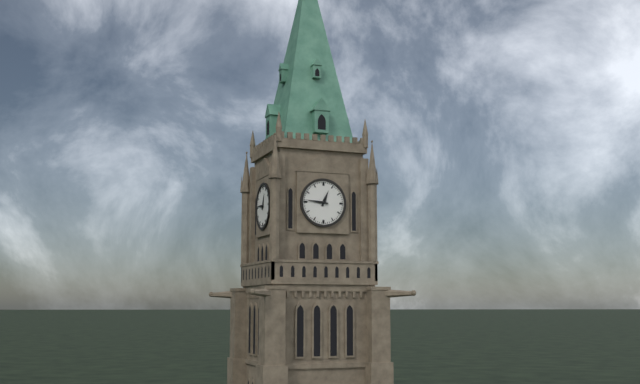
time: 12.46
